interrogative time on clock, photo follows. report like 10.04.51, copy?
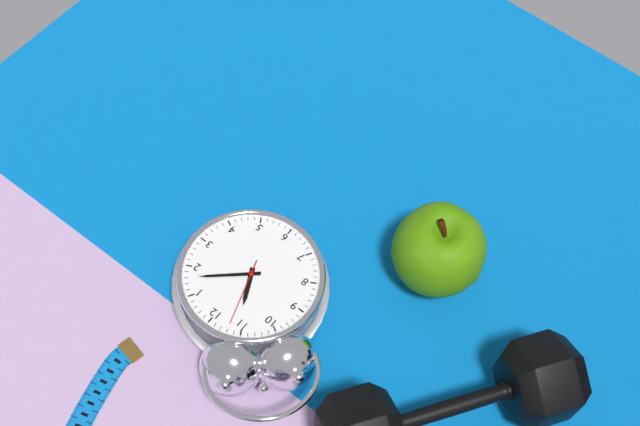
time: 11.08.57
